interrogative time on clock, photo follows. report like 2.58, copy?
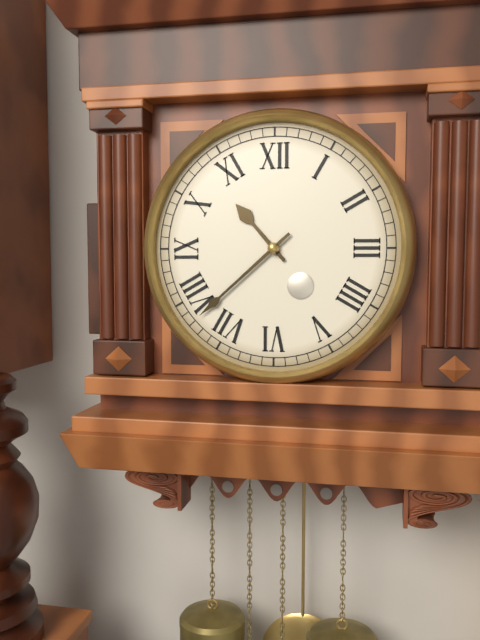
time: 10.38
